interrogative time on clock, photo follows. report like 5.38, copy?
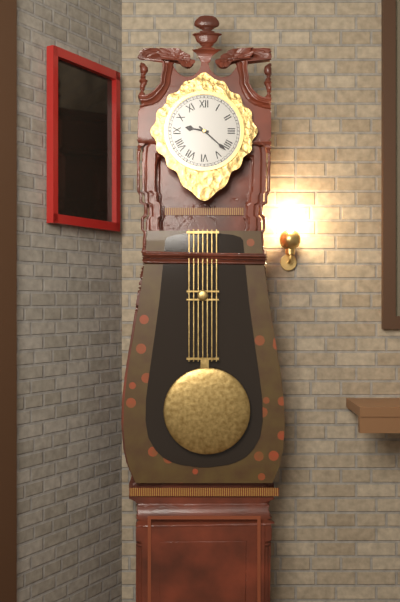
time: 9.22
